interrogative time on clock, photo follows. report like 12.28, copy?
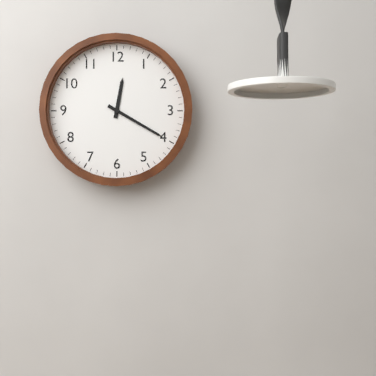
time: 12.20
